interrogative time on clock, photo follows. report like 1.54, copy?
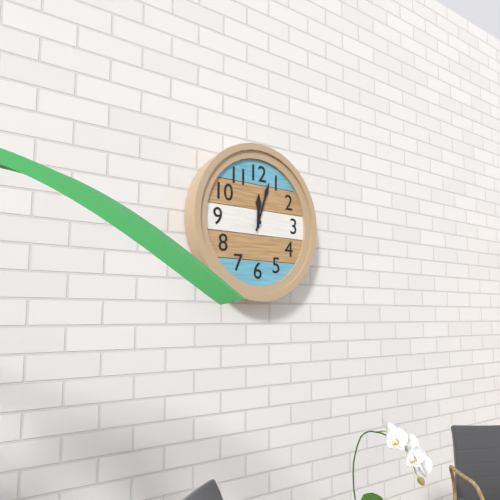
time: 12.03
